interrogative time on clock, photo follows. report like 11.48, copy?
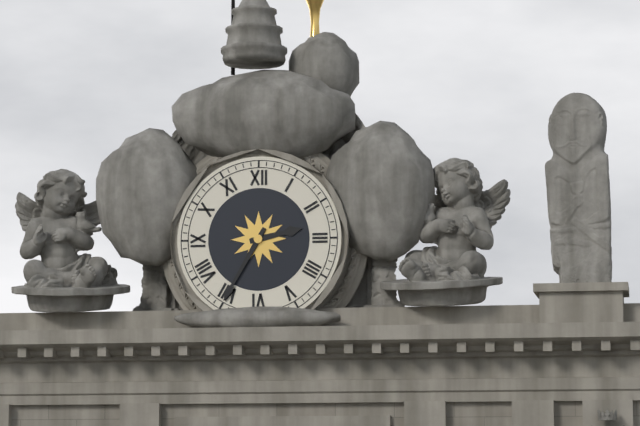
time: 2.35
